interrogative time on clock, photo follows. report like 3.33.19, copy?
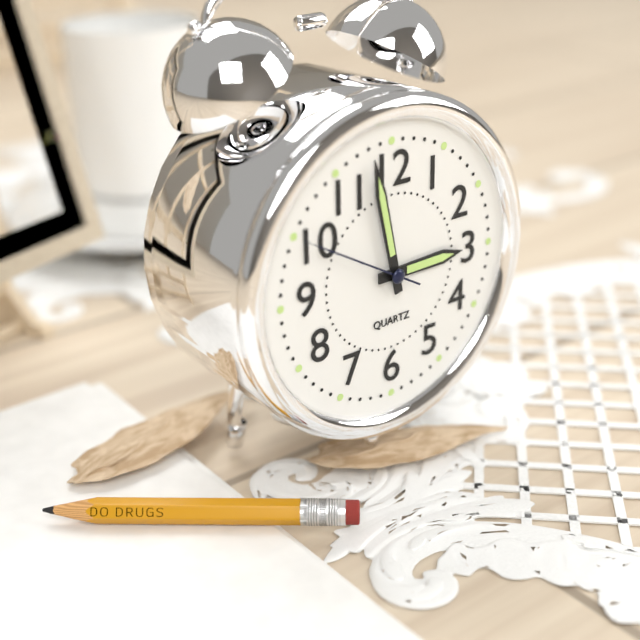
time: 2.58.50
